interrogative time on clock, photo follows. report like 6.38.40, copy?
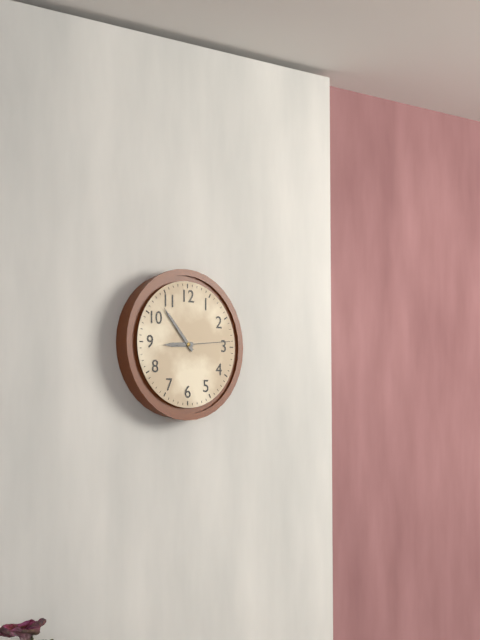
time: 8.53.14
